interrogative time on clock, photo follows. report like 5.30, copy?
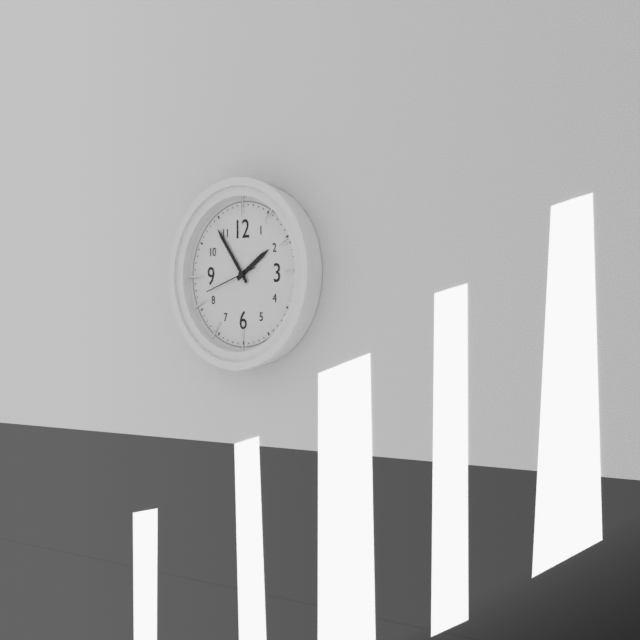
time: 1.54
